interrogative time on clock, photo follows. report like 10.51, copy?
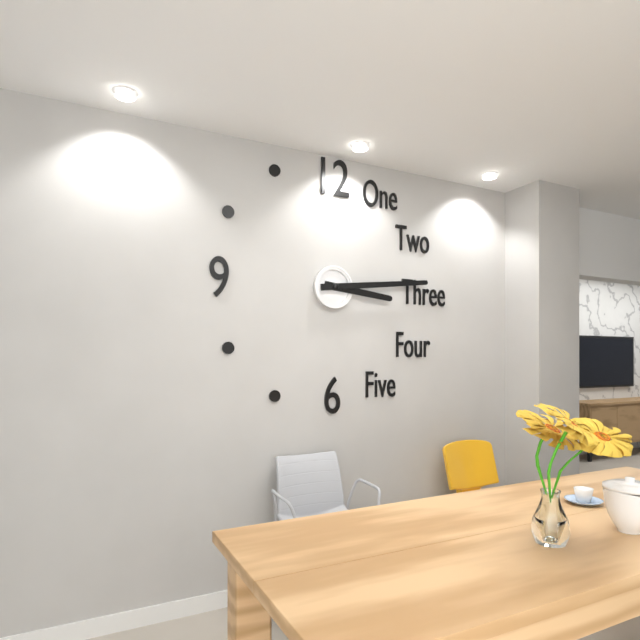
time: 3.14
